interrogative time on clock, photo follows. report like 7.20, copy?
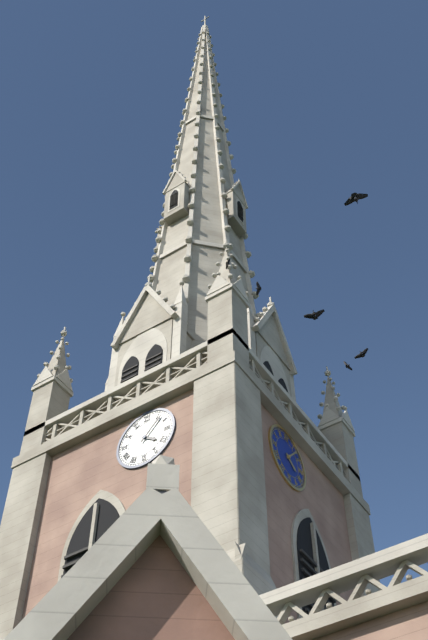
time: 4.07
